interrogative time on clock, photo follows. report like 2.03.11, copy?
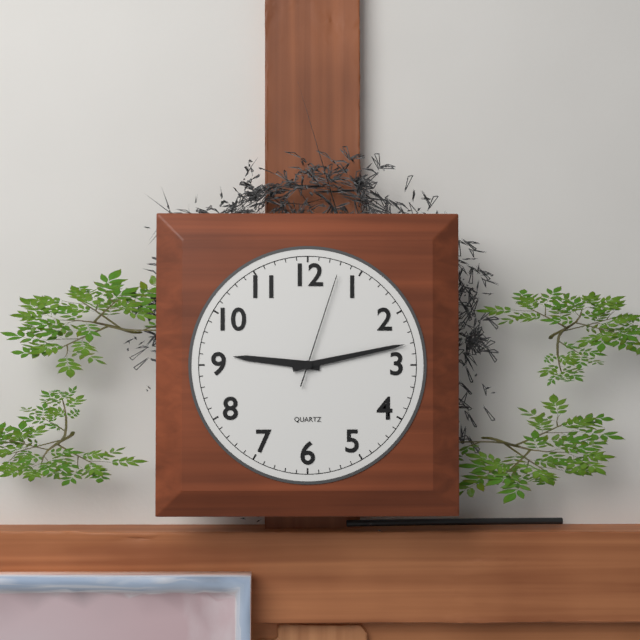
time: 9.13.03
